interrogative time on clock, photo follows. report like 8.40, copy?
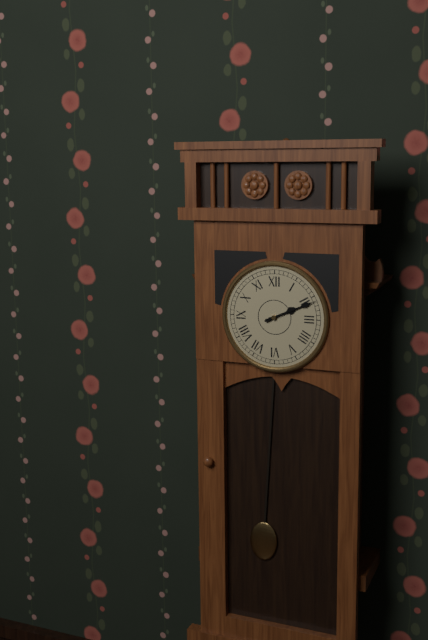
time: 2.11
